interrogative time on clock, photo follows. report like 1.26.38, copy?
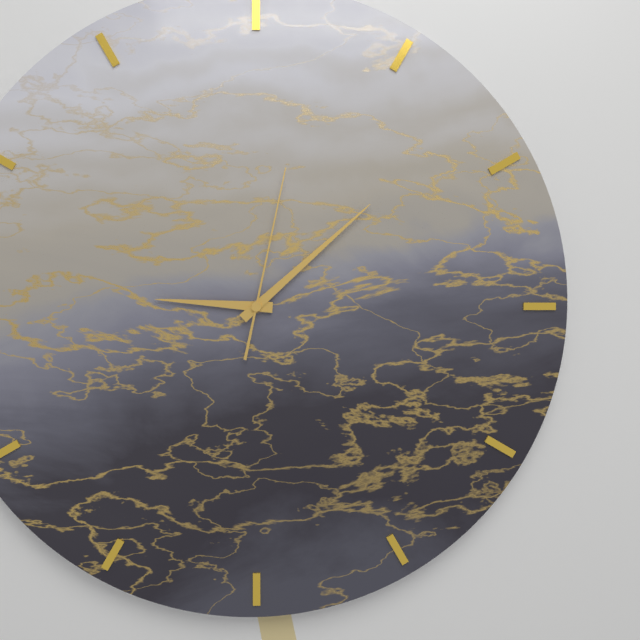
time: 9.08.02
